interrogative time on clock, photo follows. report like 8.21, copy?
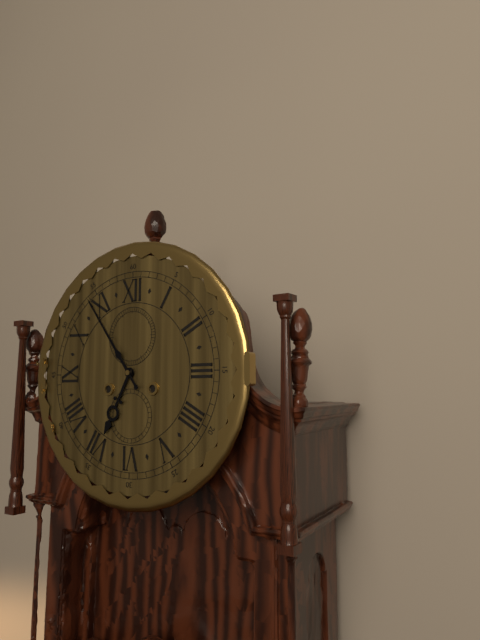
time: 6.54
